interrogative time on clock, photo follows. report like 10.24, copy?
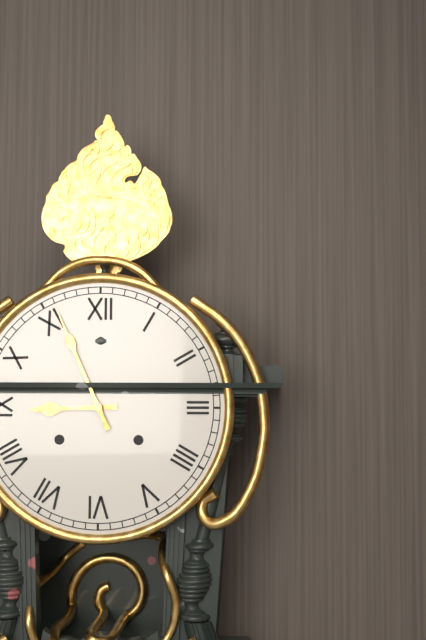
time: 8.56
